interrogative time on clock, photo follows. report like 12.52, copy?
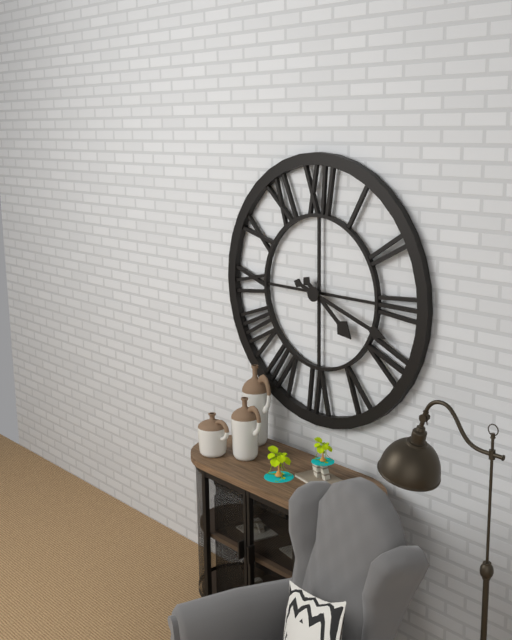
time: 4.18
